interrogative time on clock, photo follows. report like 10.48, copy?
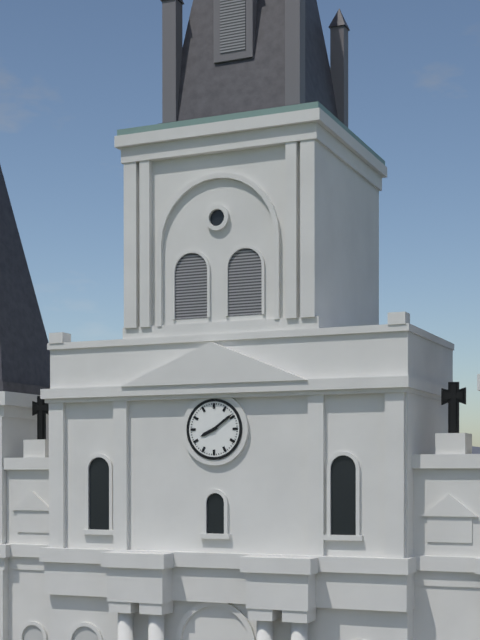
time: 8.09
